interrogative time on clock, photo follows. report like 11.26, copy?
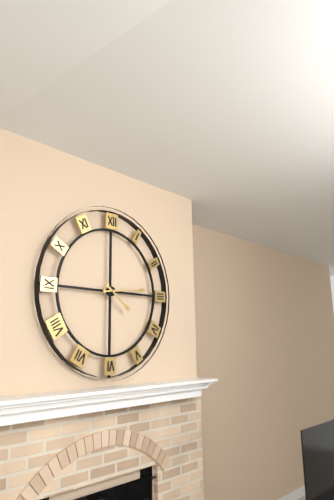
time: 4.14
